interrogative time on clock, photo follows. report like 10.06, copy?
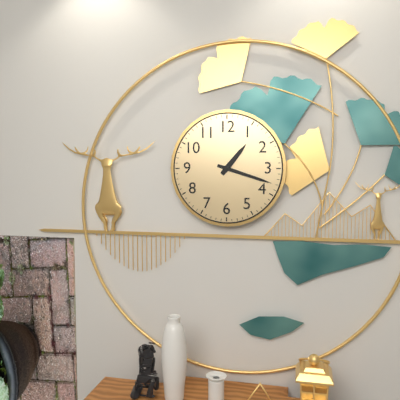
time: 1.18
